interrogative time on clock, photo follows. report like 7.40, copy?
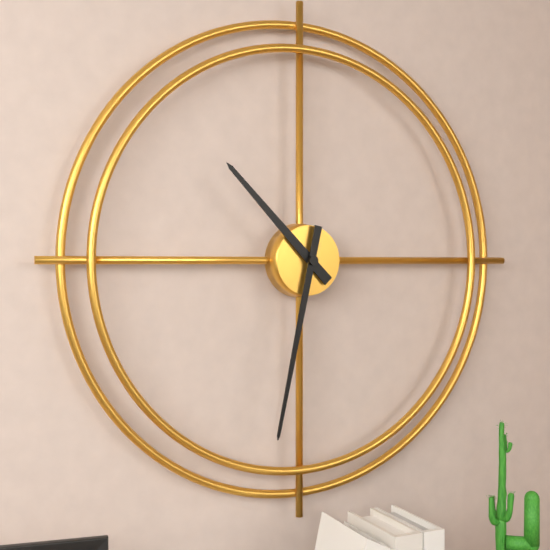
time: 10.32
